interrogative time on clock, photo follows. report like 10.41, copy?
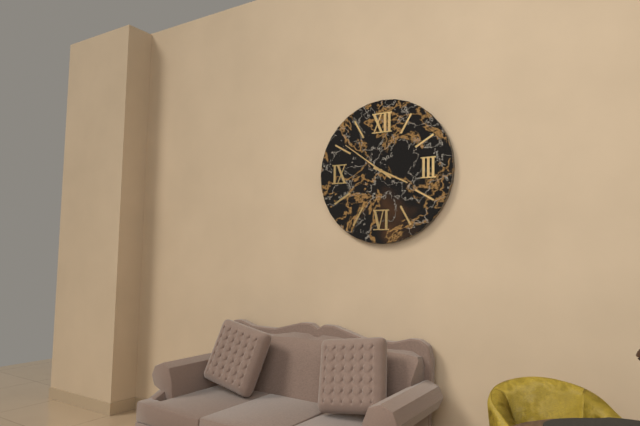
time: 3.51
